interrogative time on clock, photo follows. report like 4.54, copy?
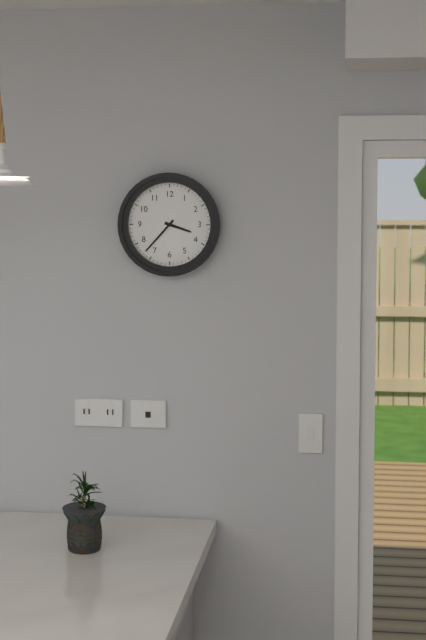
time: 3.37
